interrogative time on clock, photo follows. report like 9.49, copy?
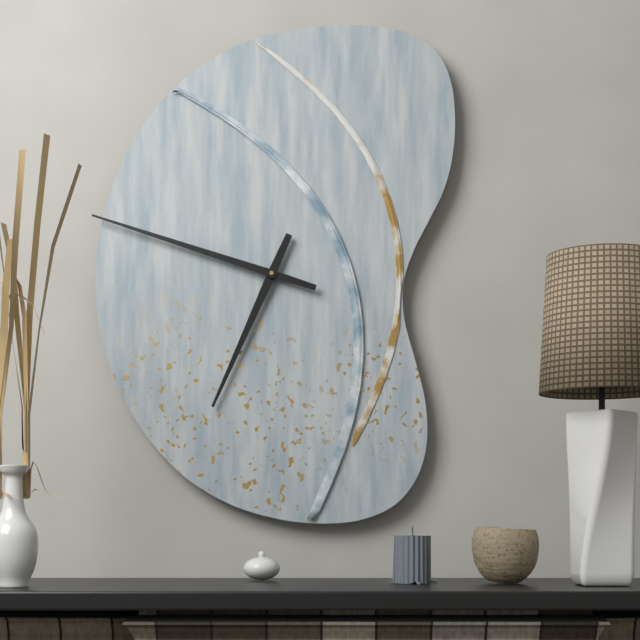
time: 6.48
